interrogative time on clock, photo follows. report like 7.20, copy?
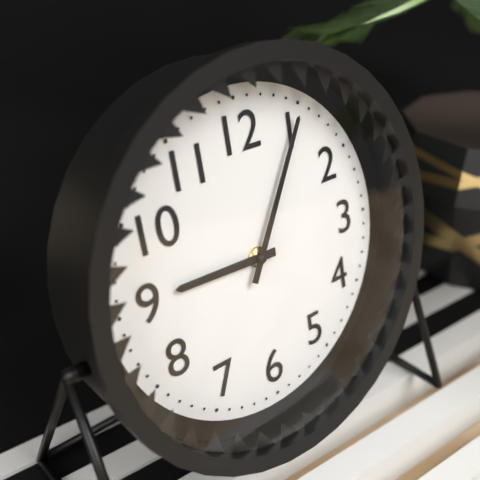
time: 9.05
